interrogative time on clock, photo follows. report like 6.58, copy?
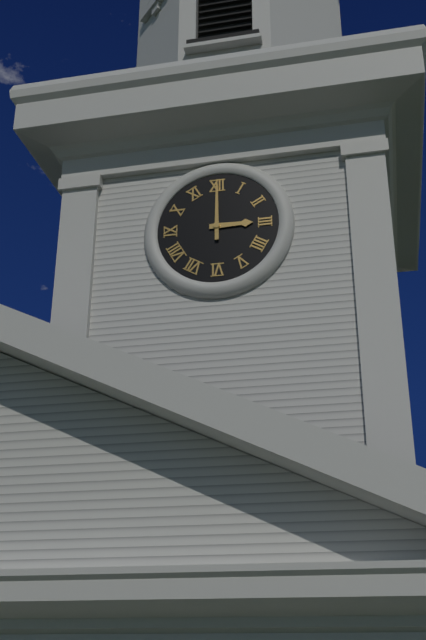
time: 3.00
